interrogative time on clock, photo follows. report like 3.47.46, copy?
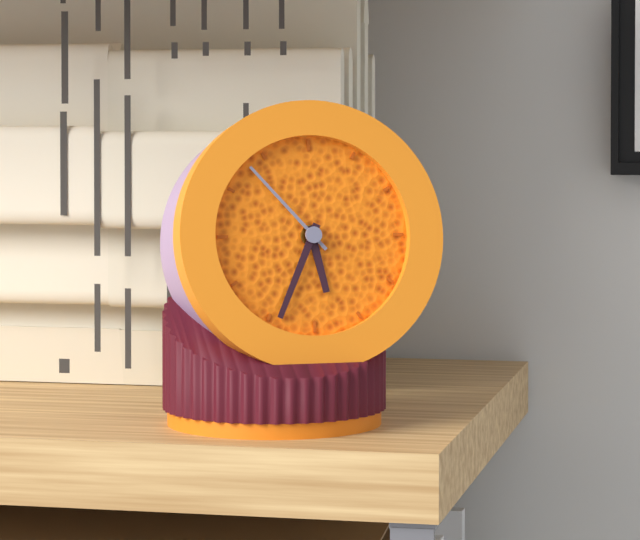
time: 5.34.53
